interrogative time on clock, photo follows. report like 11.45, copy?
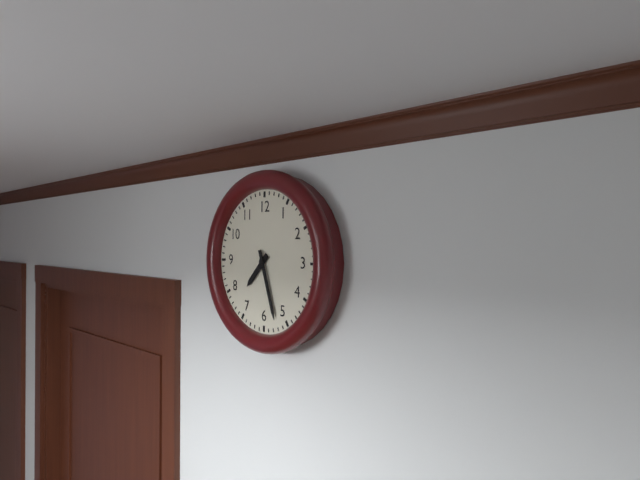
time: 7.27
